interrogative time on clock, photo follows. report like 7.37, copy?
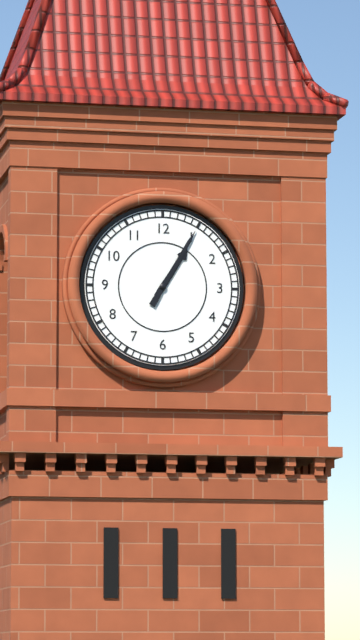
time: 1.05
